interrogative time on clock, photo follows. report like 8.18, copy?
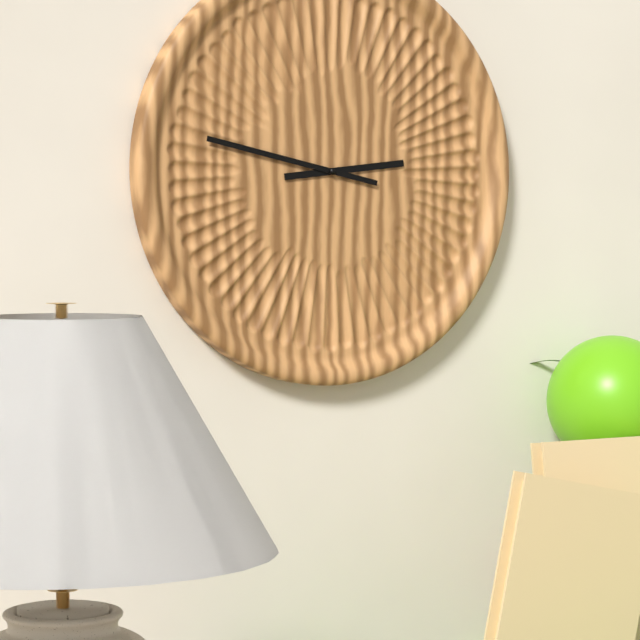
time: 2.47
